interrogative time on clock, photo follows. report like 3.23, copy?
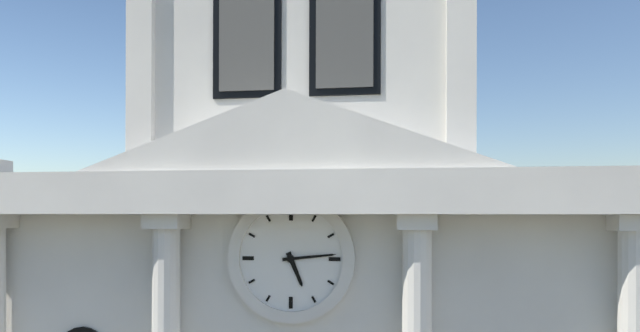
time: 5.14
